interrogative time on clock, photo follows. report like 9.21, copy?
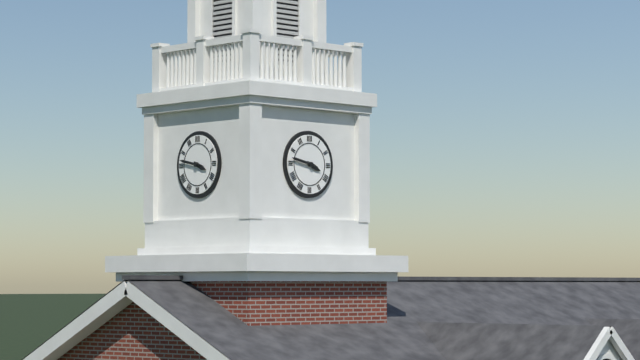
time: 3.47
